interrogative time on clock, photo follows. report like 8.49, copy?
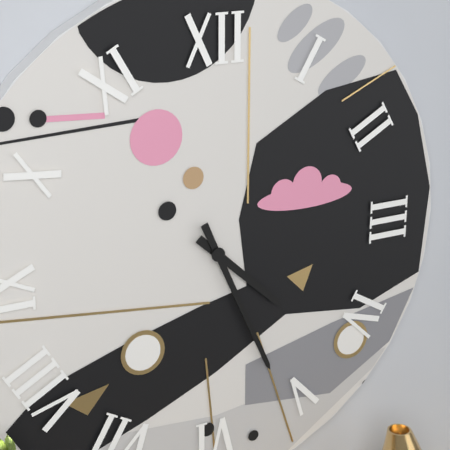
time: 4.26
